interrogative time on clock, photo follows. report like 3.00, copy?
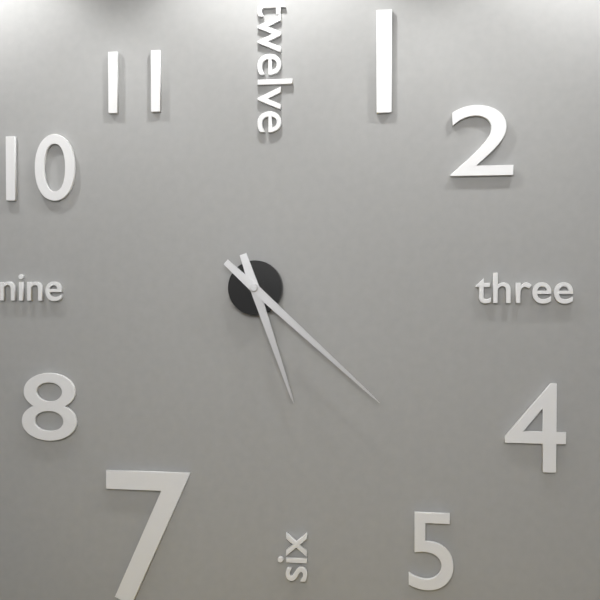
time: 5.22
